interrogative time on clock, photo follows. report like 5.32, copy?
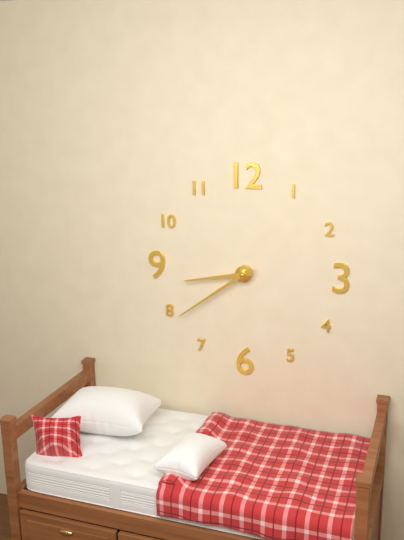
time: 8.39
